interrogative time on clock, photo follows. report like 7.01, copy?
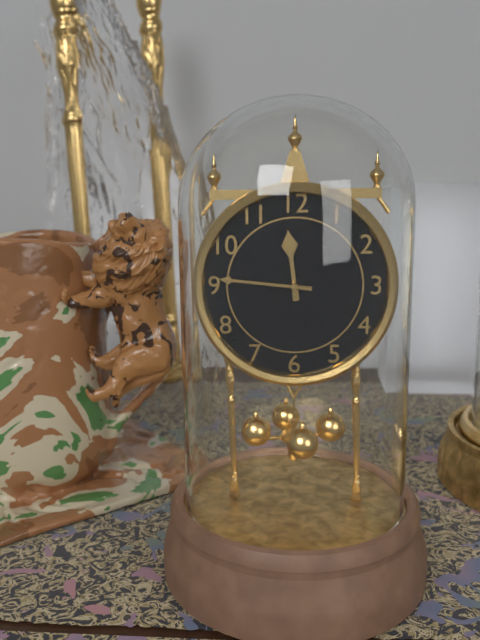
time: 11.46
